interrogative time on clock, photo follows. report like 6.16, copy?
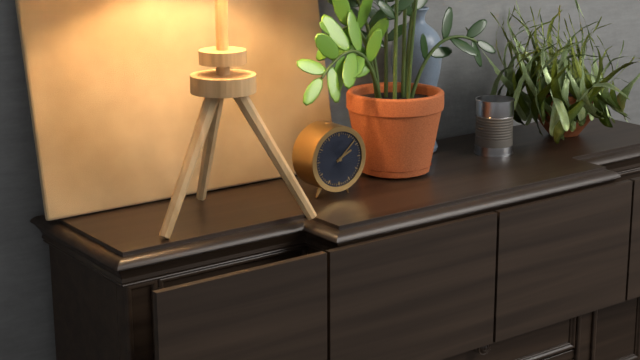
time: 2.08
